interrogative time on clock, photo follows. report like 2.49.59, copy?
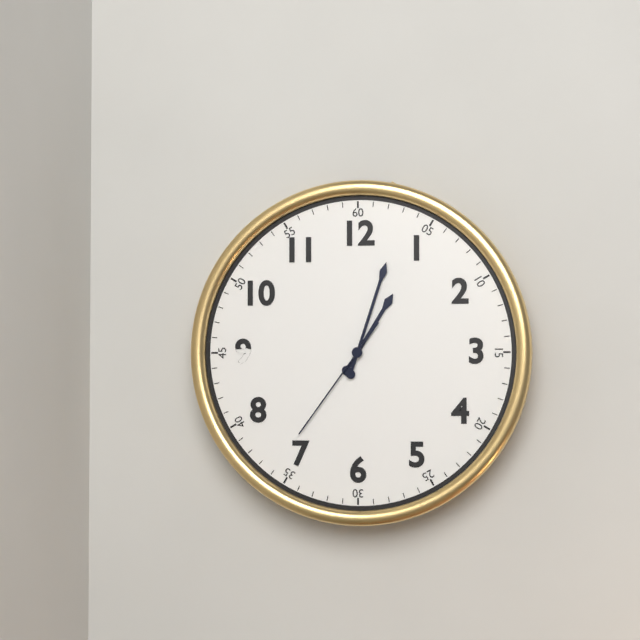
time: 1.03.36
